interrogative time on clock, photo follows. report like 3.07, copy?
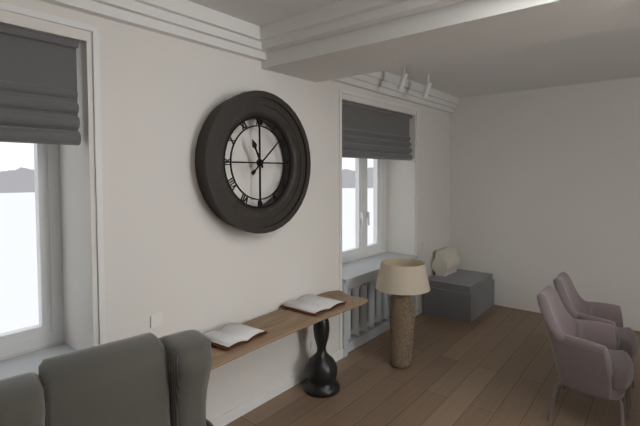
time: 11.08
